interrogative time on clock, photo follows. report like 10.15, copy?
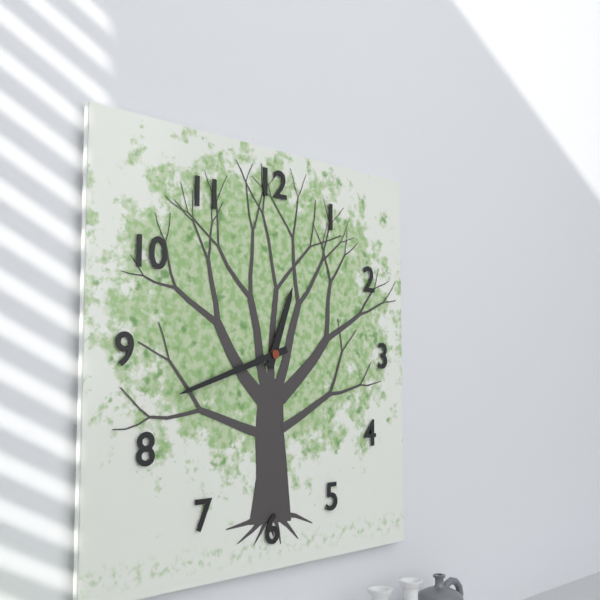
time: 12.42
